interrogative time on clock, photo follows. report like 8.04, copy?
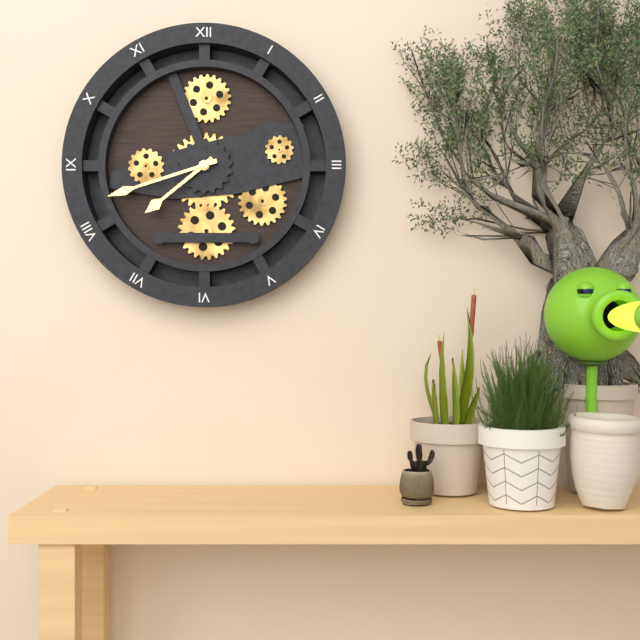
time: 7.42
